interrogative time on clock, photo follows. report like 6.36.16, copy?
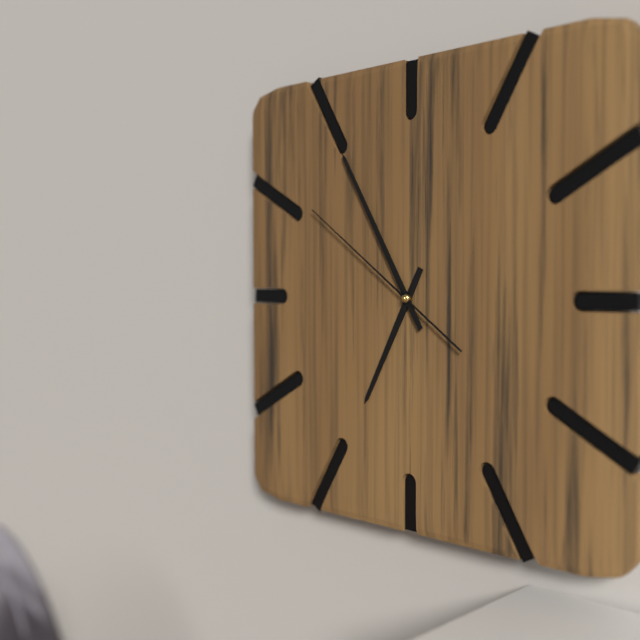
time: 6.55.51
